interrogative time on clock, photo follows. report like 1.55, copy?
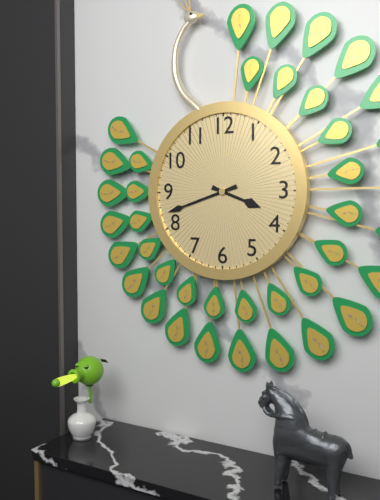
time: 3.42
